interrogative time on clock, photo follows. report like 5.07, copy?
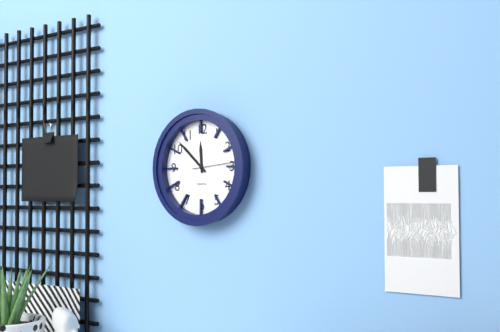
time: 11.52
